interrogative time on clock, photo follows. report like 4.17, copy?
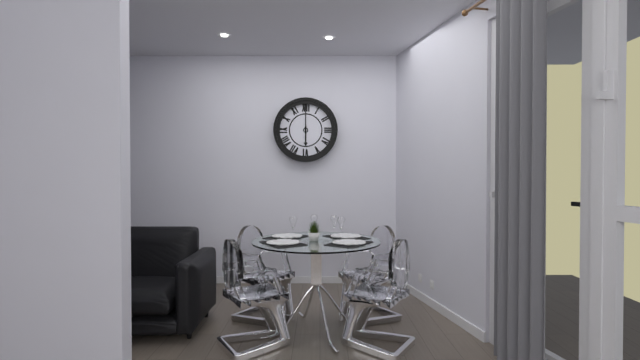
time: 6.00
